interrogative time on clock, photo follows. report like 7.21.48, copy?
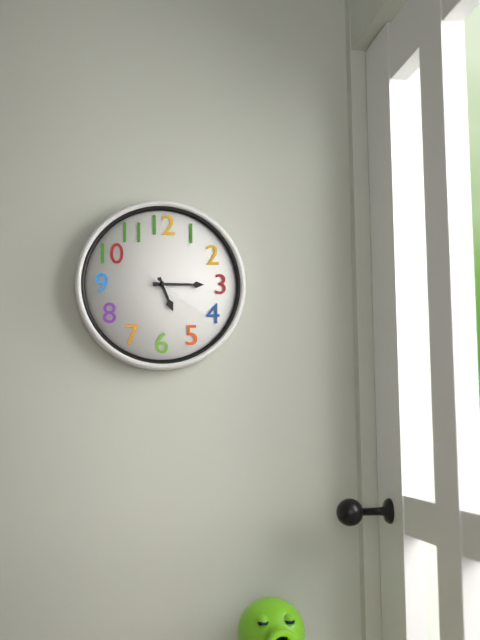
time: 5.15.21
